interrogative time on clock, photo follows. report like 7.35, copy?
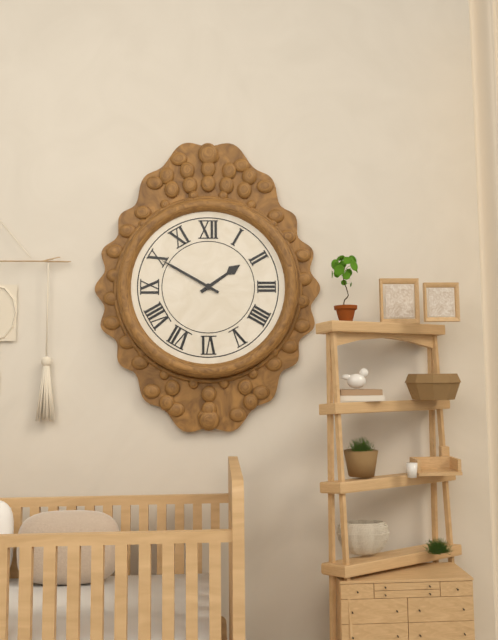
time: 1.50
